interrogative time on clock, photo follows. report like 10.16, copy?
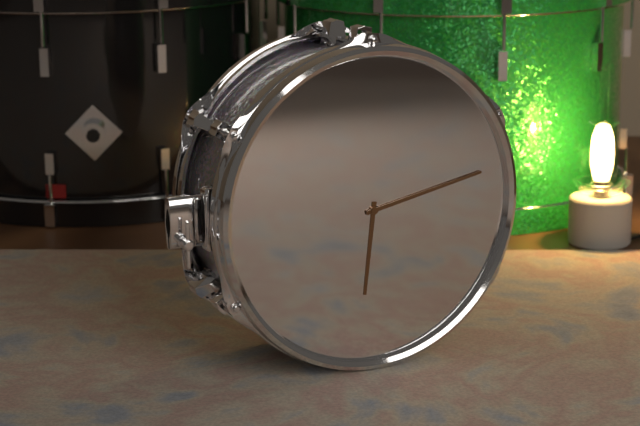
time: 6.13
